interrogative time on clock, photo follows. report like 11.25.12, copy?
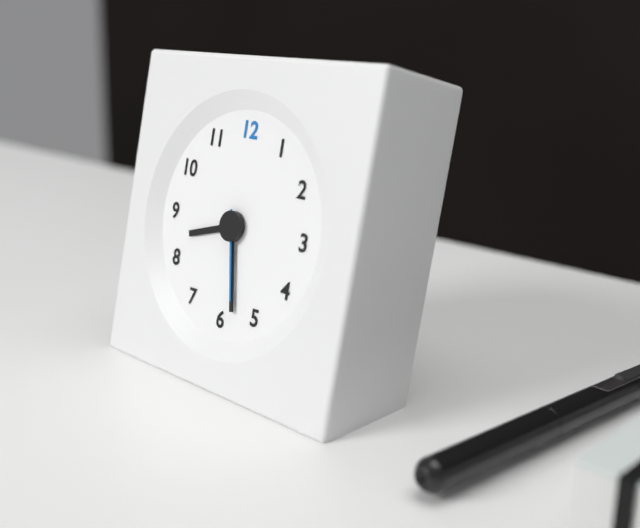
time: 8.28.28
